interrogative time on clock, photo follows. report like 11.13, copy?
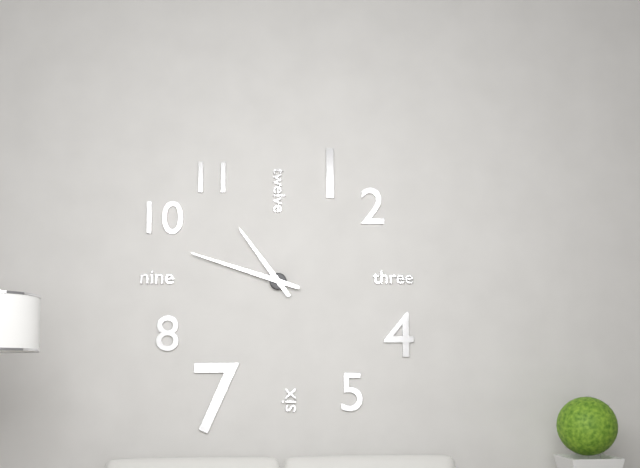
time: 10.48
